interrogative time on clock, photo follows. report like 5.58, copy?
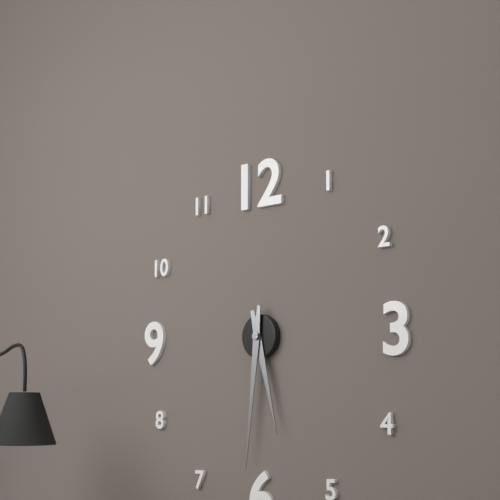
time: 5.31
